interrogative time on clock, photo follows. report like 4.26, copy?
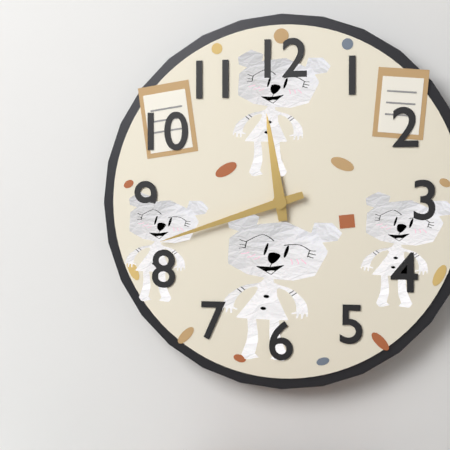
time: 11.42
